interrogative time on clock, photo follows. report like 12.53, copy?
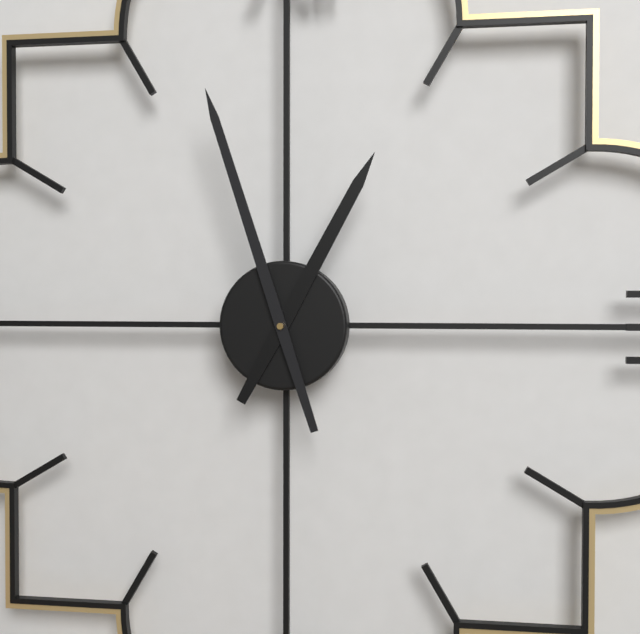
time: 12.57
